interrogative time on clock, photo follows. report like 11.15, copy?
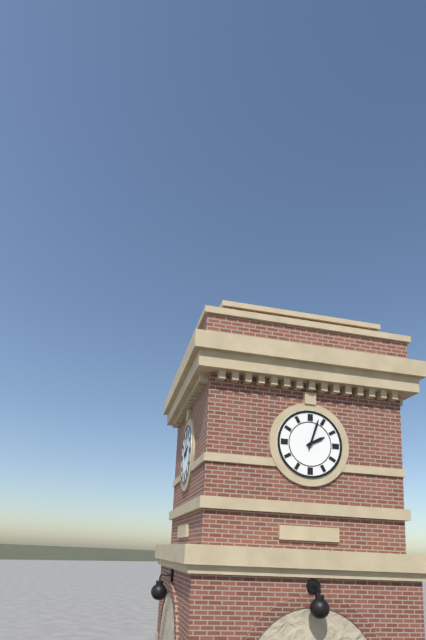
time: 2.03
